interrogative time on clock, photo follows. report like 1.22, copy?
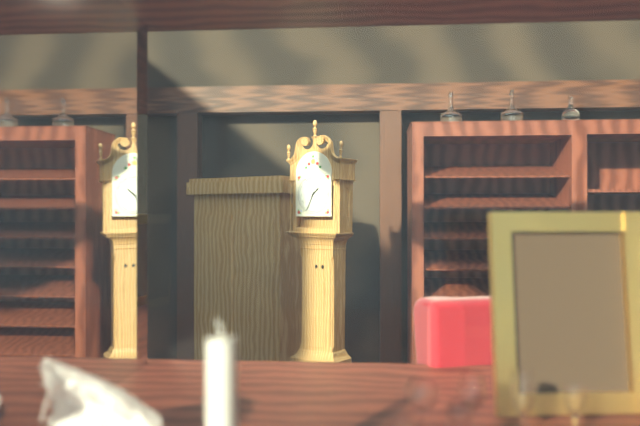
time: 1.34
